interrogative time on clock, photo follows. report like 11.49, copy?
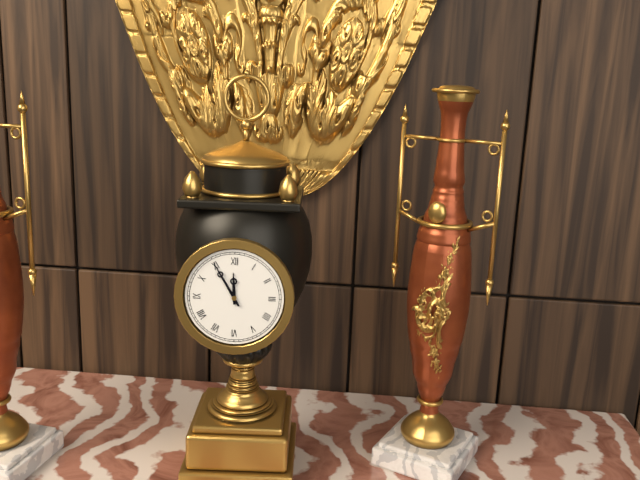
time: 11.55
